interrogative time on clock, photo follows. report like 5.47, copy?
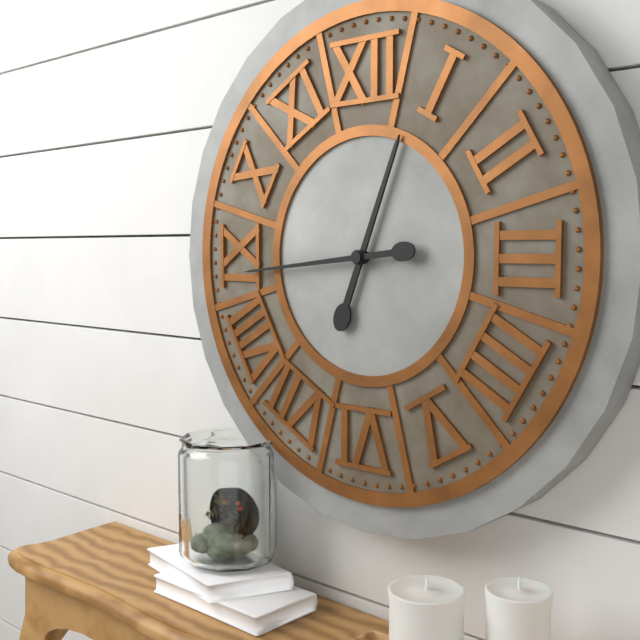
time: 12.44
